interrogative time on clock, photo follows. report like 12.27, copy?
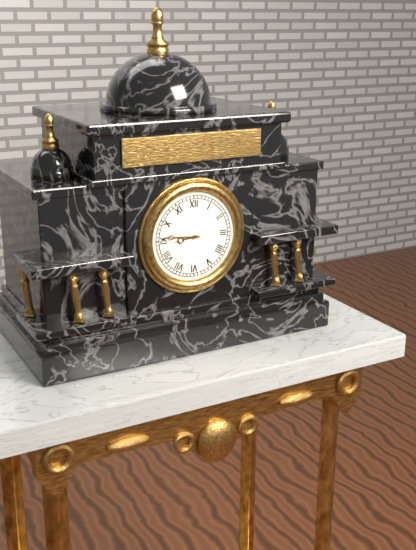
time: 8.46
